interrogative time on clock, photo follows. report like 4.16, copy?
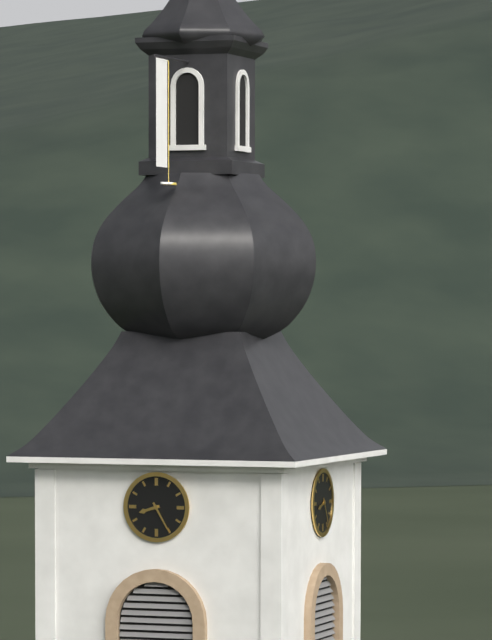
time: 8.25
